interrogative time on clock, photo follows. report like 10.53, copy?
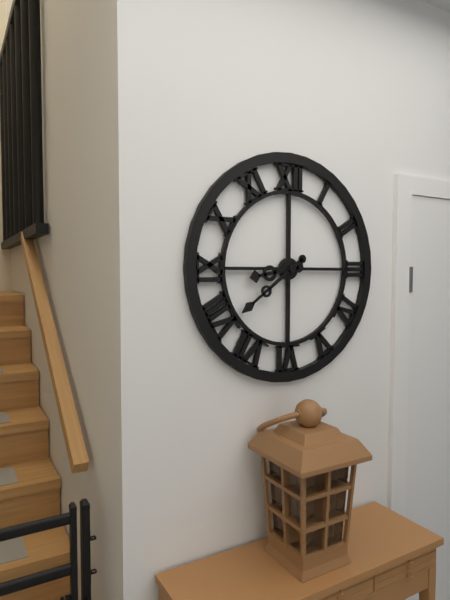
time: 8.39
